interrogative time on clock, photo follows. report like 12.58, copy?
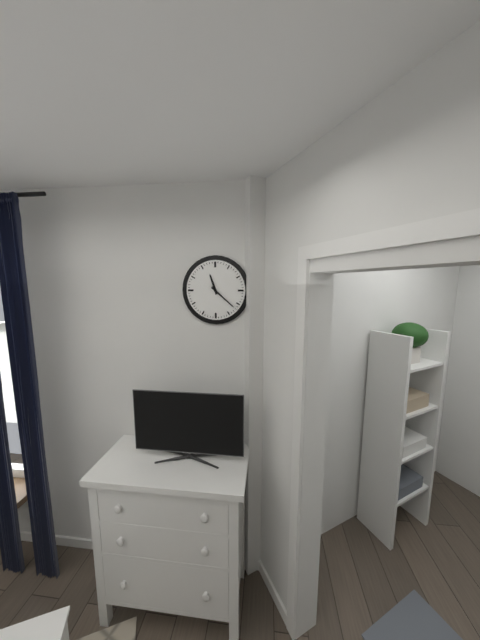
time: 11.22
